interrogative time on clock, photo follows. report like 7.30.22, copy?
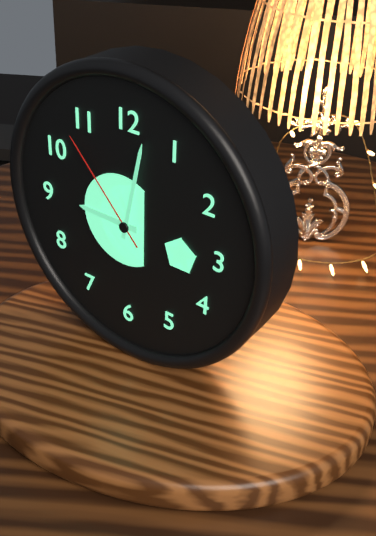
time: 9.02.53
